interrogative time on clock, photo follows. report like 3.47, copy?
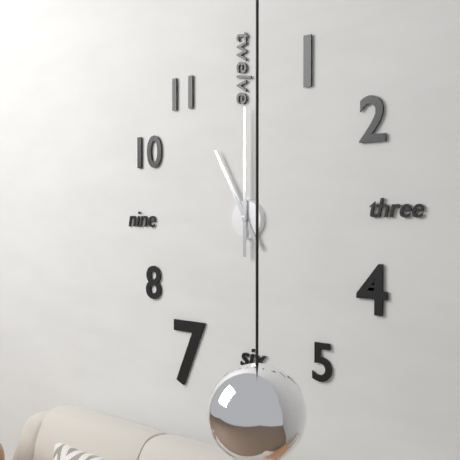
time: 11.00
